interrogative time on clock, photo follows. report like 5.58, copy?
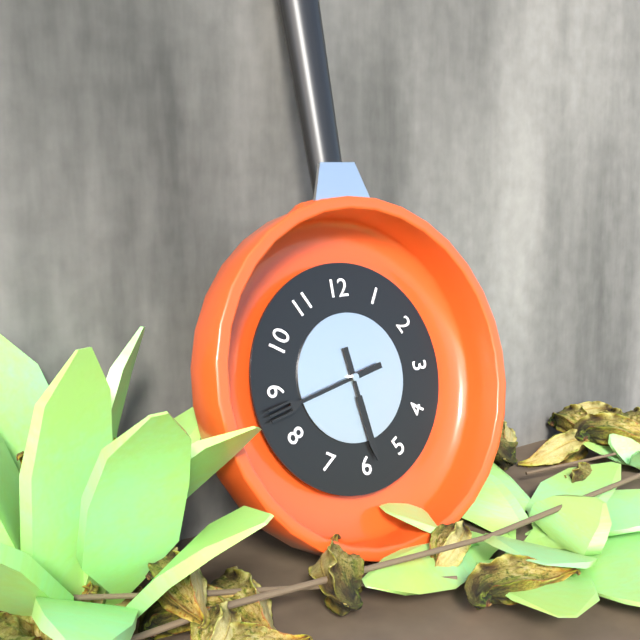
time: 5.43
